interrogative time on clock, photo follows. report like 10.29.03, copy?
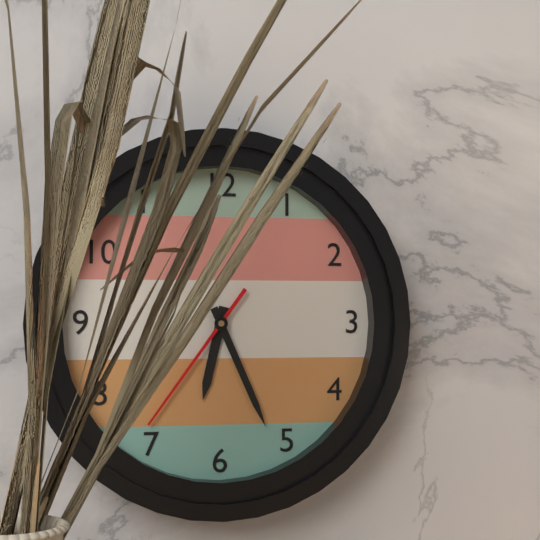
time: 6.26.36
